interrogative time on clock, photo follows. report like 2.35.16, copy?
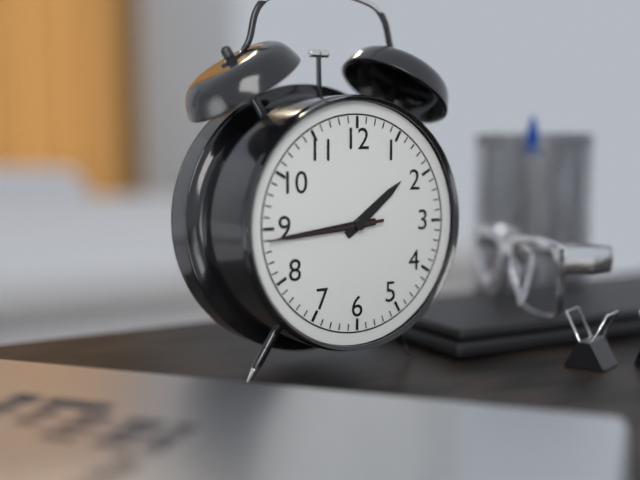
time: 1.44.44
